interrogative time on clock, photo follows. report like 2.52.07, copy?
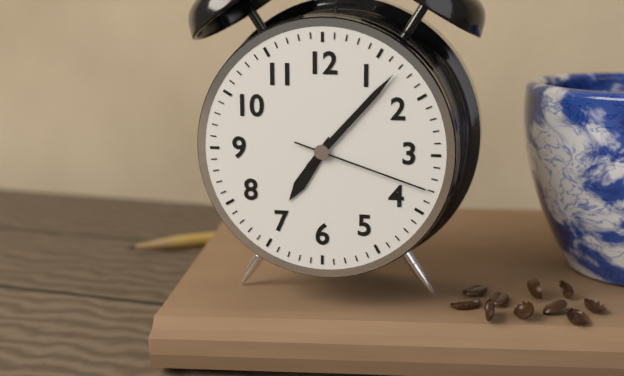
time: 7.07.18
